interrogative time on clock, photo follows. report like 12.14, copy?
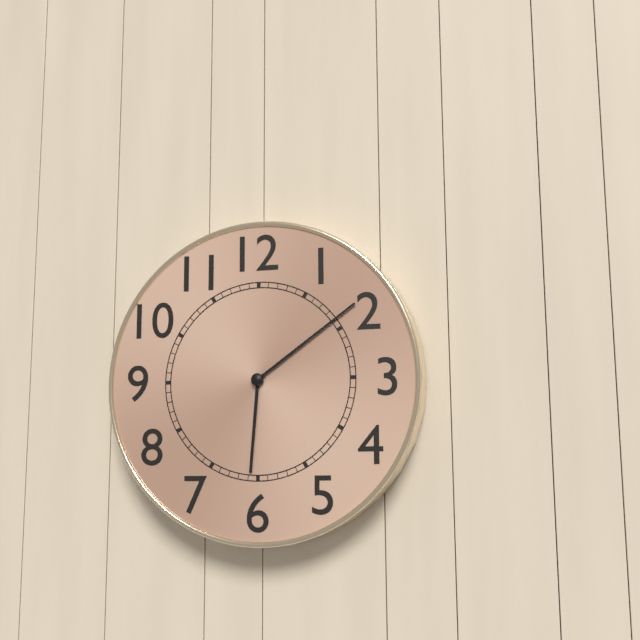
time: 6.09
